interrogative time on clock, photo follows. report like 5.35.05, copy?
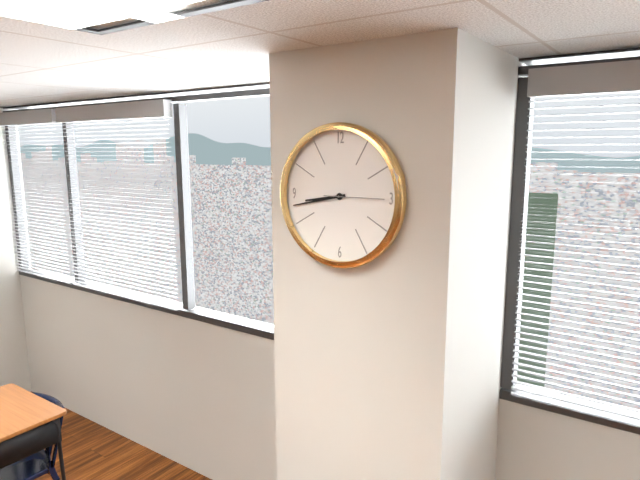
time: 8.43.15
